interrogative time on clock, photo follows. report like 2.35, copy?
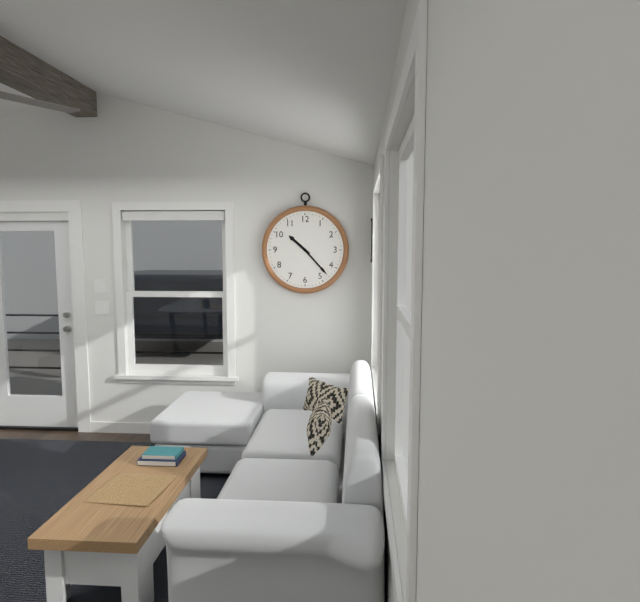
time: 10.23
